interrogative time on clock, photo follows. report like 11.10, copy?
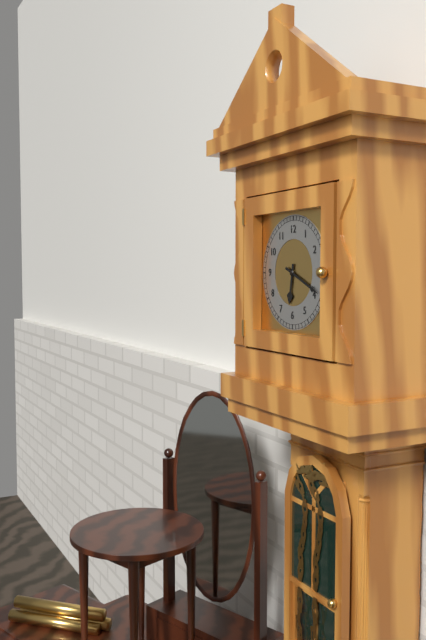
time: 6.19
